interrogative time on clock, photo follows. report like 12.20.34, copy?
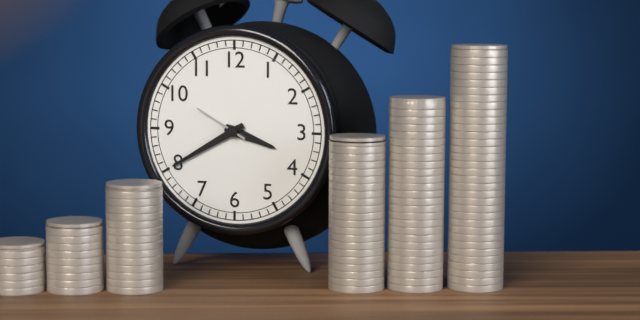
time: 3.40.50
